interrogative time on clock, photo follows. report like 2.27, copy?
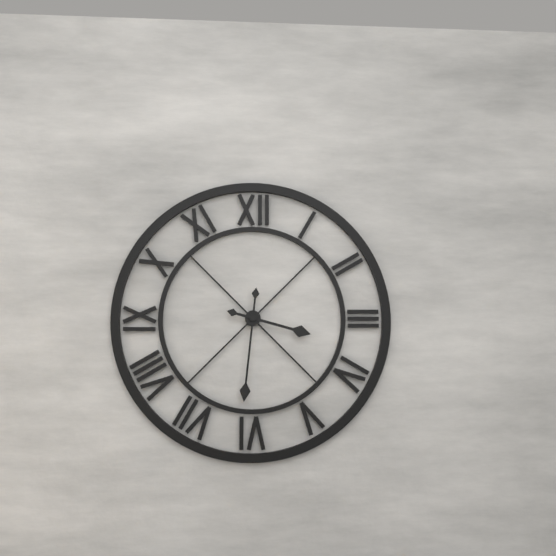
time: 3.31
